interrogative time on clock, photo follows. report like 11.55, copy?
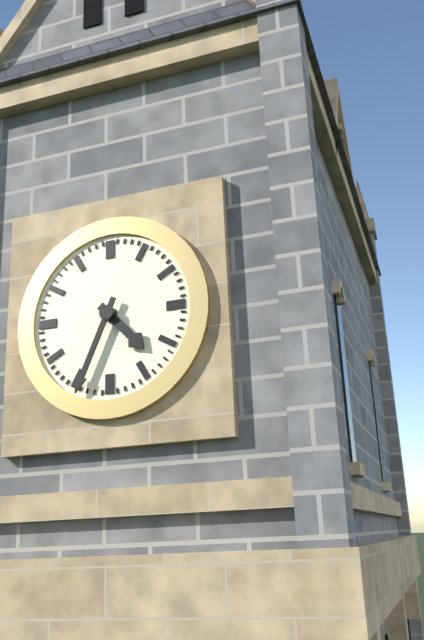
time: 4.34
